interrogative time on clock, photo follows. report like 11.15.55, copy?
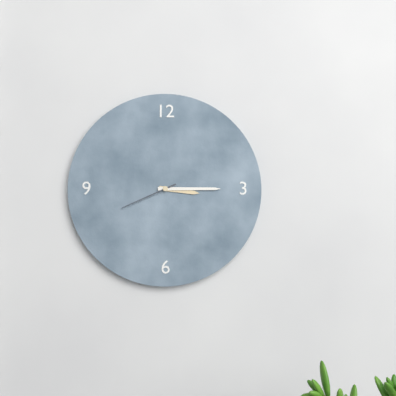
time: 3.15.41
